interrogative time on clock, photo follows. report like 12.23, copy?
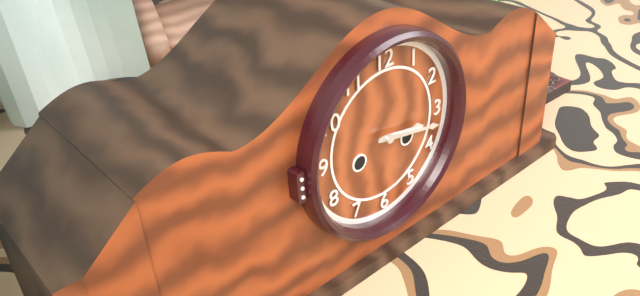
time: 3.17
